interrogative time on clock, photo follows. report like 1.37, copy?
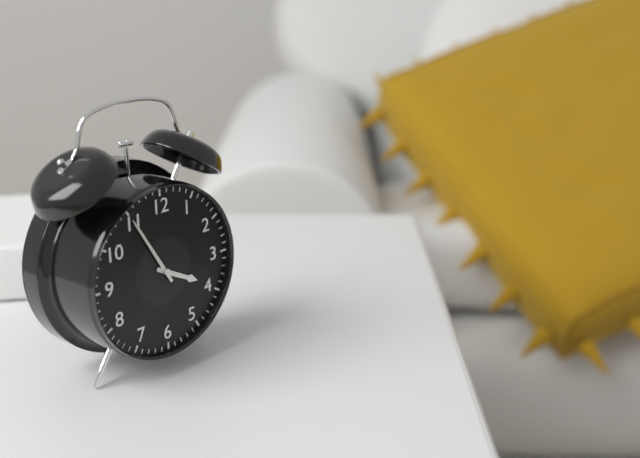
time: 3.55
